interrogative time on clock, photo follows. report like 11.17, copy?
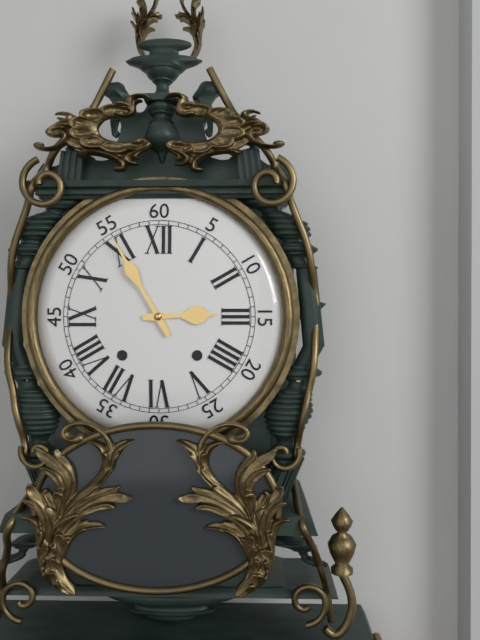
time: 2.55
